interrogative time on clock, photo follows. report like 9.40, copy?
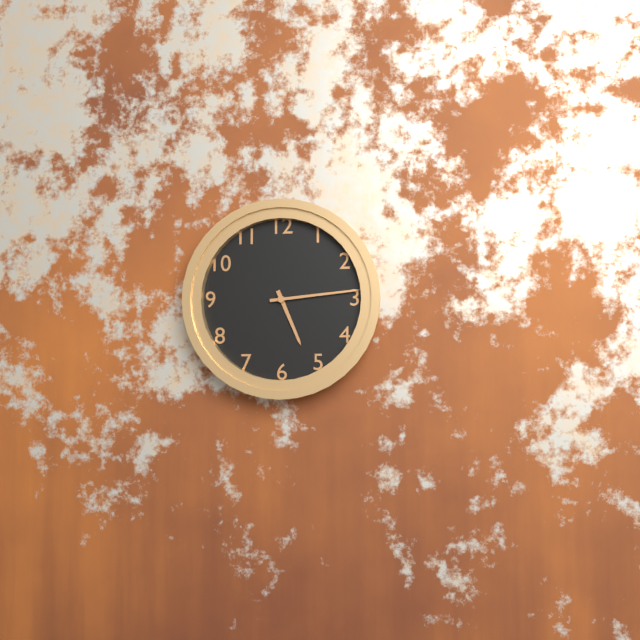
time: 5.14
